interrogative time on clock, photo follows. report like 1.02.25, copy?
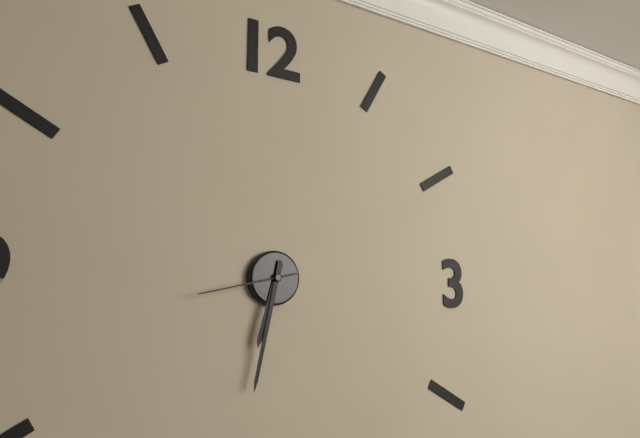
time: 6.32.43
